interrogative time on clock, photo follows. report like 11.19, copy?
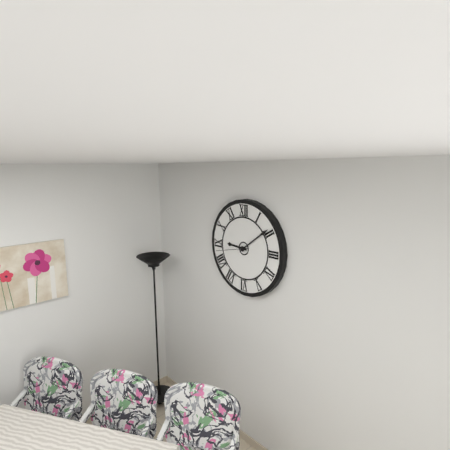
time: 9.09
